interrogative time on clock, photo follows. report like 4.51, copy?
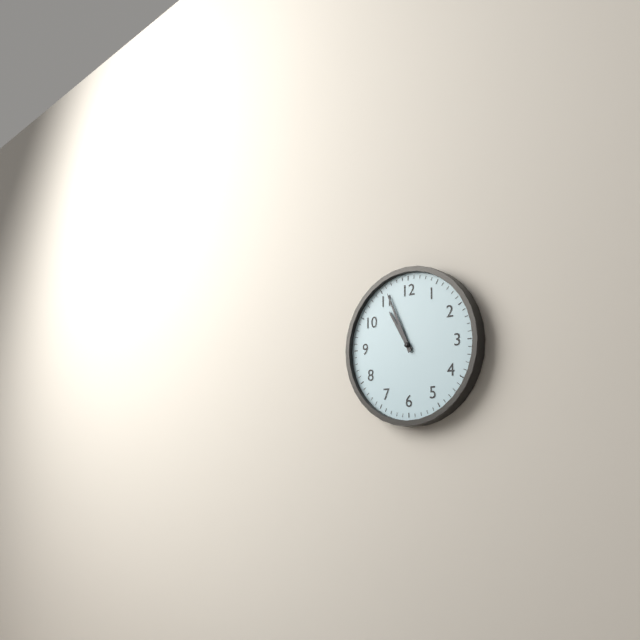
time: 10.56
